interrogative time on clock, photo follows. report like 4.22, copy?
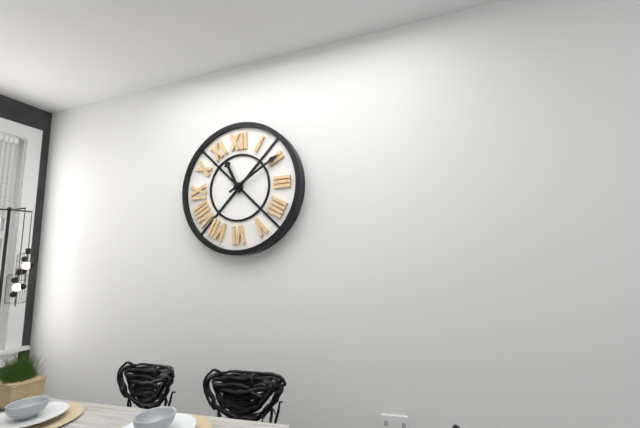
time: 11.10
